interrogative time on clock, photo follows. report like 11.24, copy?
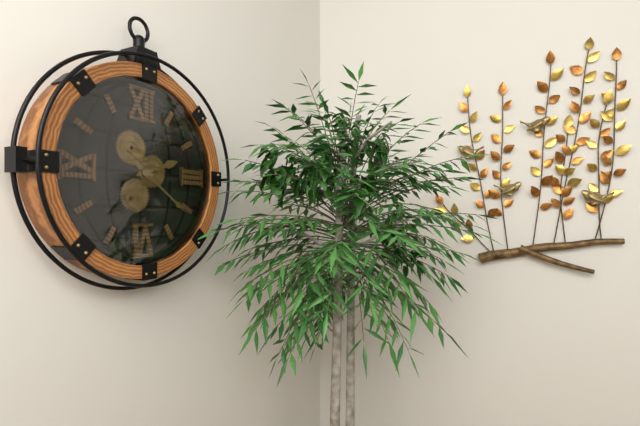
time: 2.21
